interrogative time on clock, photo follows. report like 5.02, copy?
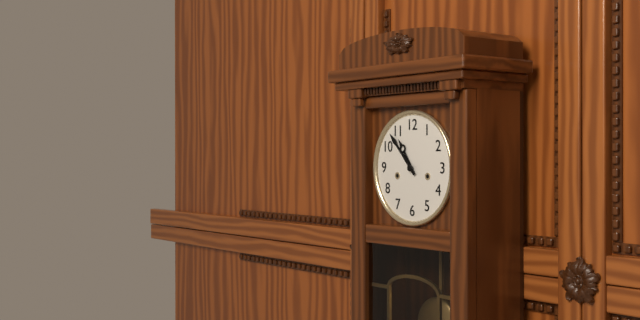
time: 10.53
